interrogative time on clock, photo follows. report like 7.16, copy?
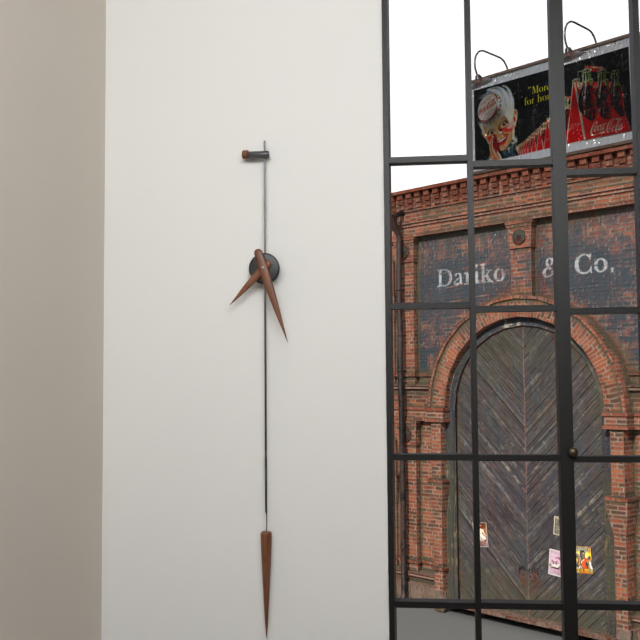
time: 7.27
